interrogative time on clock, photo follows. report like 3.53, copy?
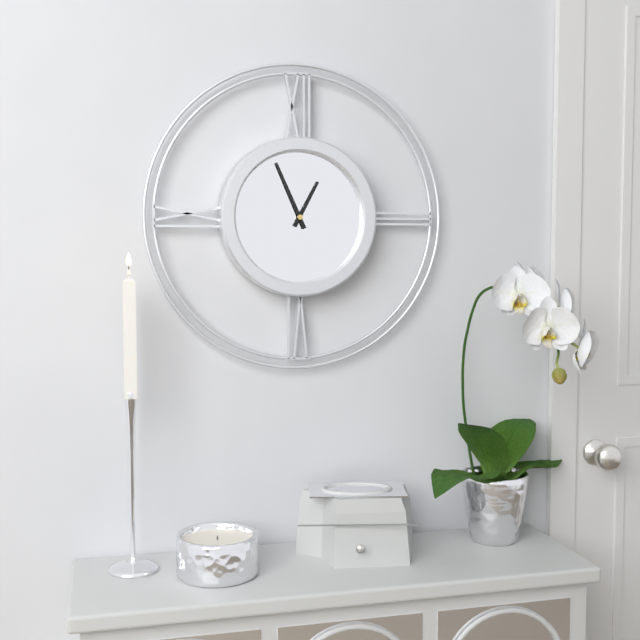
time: 12.56
